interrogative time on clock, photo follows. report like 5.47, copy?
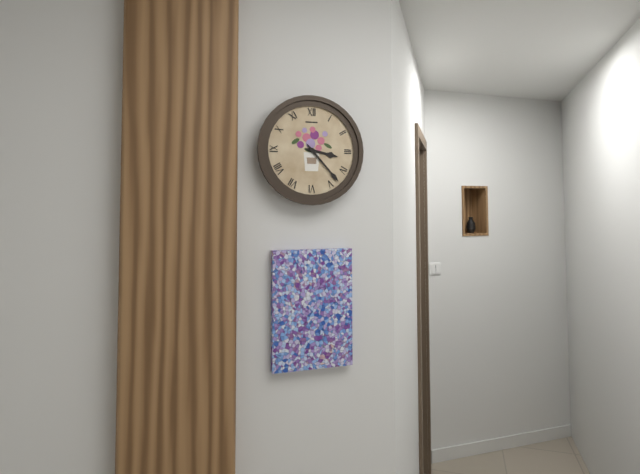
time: 3.23
